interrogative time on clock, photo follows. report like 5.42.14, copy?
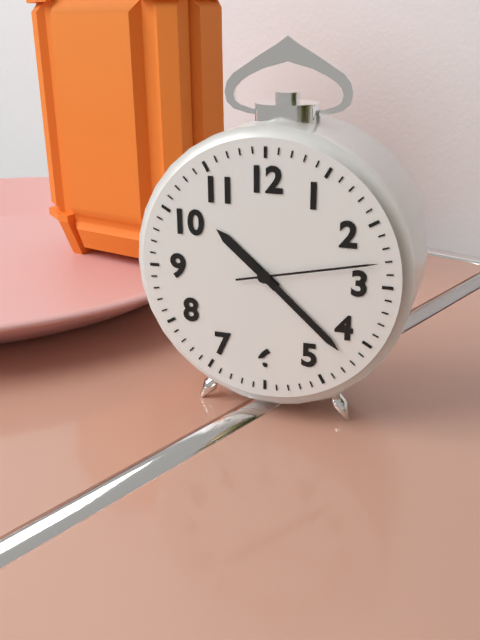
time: 10.22.13
